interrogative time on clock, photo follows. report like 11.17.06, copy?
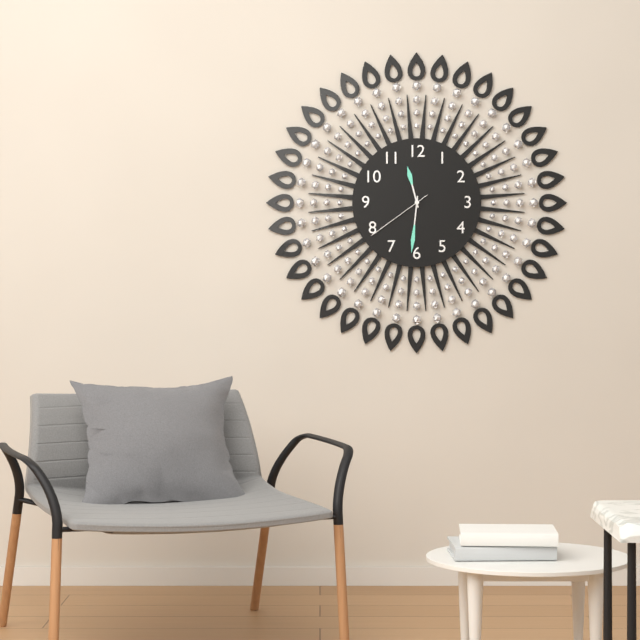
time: 11.31.39
